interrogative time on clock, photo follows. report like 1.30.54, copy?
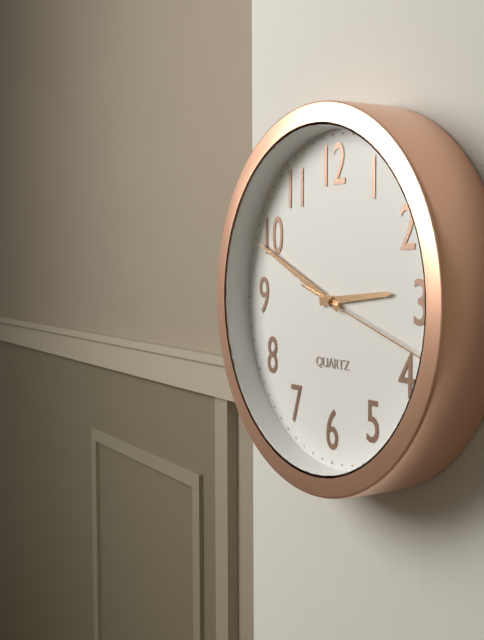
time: 2.49.18
